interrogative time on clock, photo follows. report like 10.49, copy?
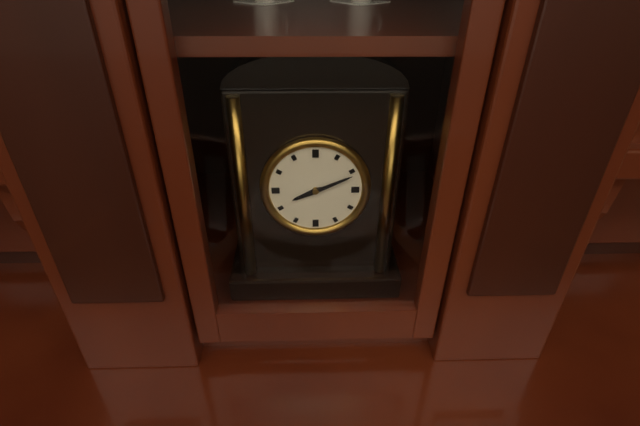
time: 8.11
